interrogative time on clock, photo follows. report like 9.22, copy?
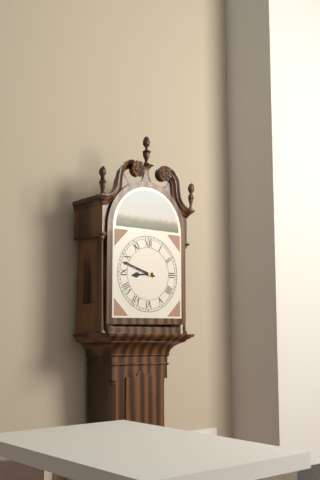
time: 8.48
